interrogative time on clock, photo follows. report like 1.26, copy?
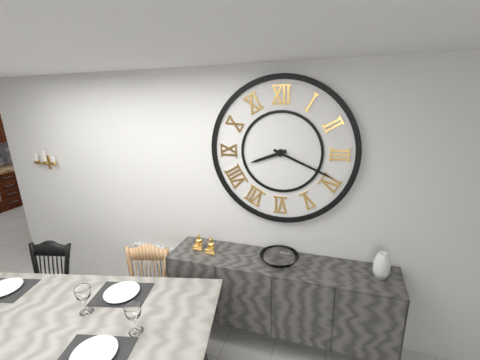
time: 8.19
